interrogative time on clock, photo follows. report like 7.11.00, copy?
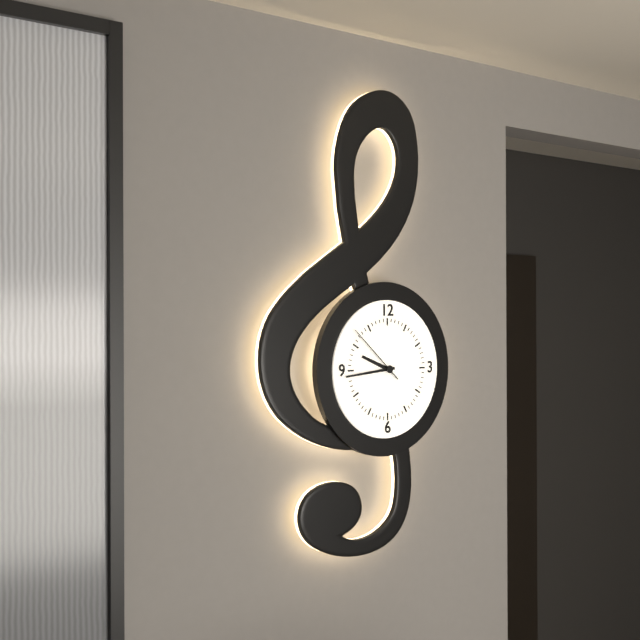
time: 9.44.52
